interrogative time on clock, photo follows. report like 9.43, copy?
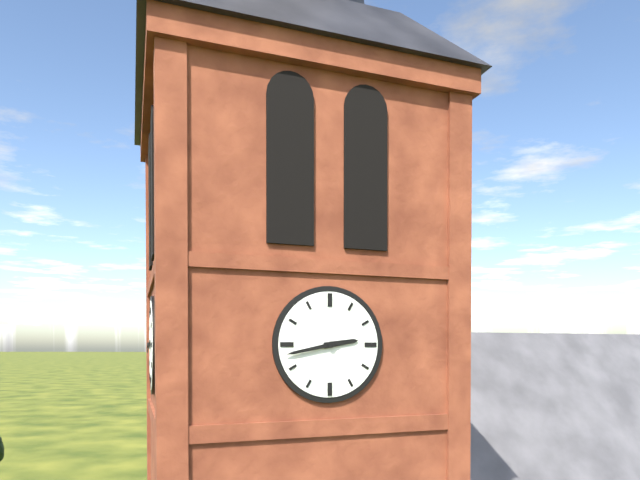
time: 2.43
